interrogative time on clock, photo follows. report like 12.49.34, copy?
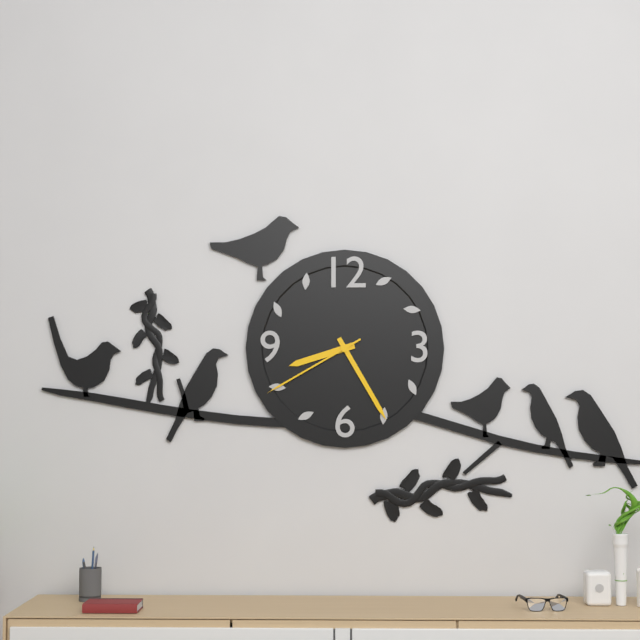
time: 8.25.40
